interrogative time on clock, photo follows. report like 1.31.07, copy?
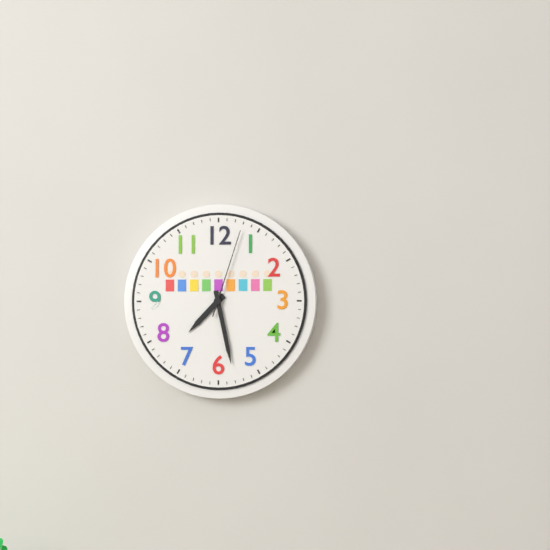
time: 7.28.03
